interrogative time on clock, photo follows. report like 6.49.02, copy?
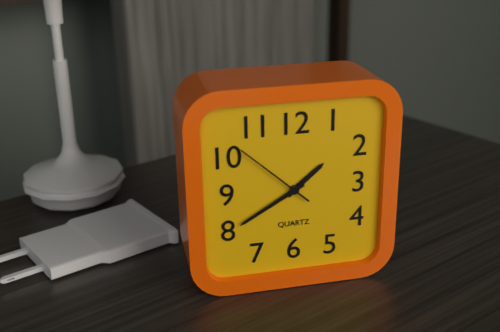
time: 1.40.52
